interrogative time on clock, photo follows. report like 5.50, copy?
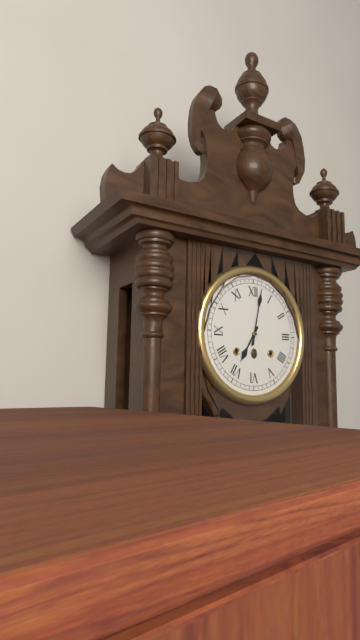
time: 7.02
